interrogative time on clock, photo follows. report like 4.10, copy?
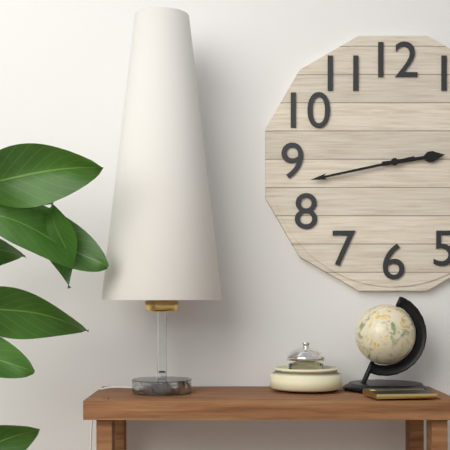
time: 2.43
